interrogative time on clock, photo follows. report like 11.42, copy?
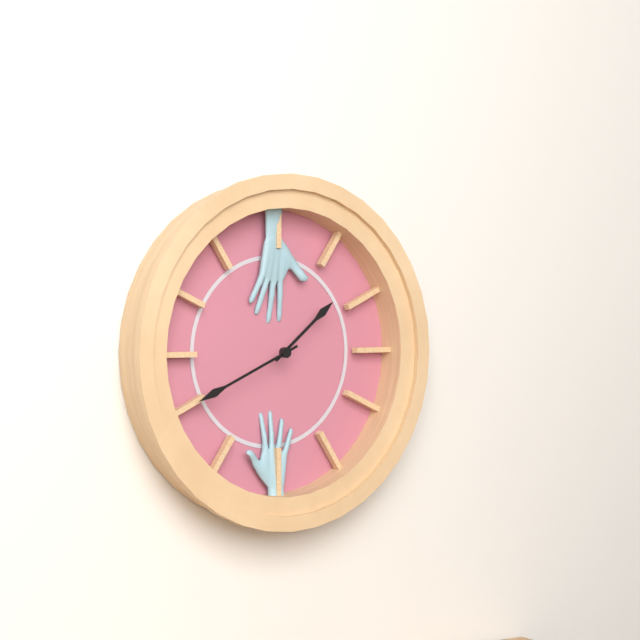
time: 1.41
